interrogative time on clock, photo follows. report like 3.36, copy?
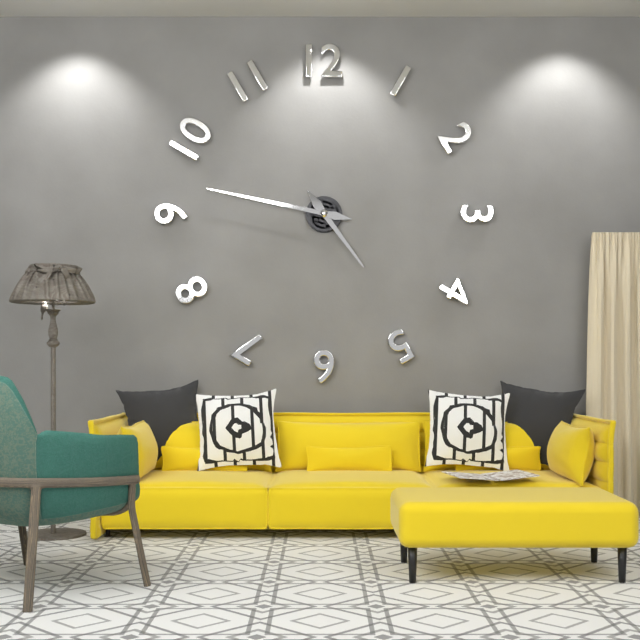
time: 4.47
